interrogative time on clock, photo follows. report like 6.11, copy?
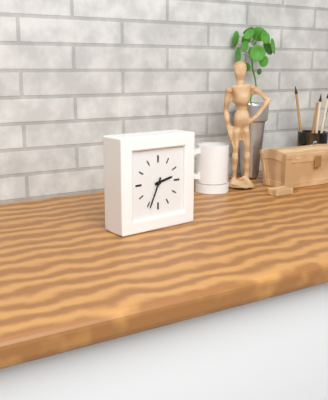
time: 2.34
